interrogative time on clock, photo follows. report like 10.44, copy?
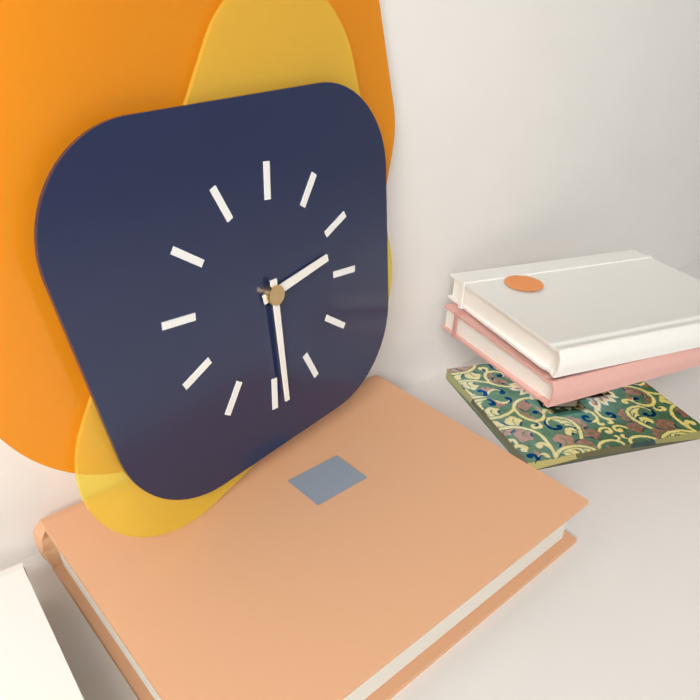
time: 2.29
